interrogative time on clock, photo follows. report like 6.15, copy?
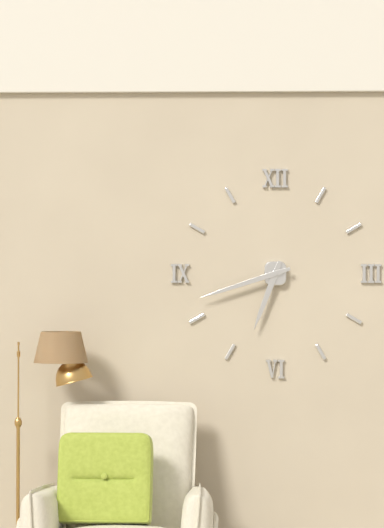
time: 6.42
